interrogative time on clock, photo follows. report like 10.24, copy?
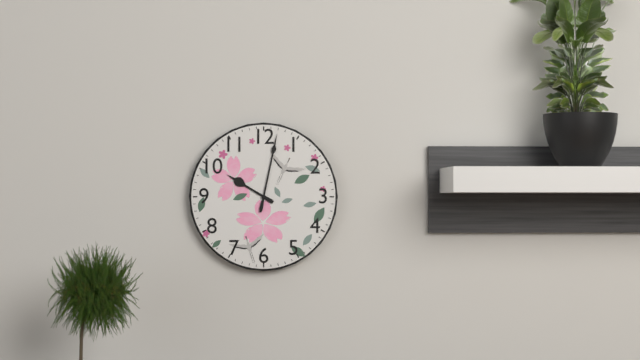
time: 10.02
